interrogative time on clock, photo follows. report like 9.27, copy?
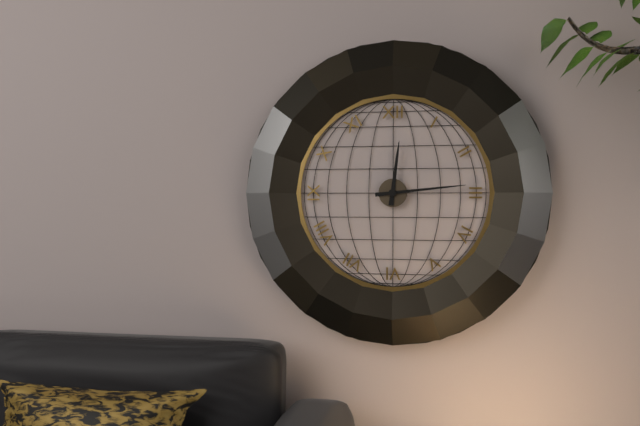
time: 12.14
